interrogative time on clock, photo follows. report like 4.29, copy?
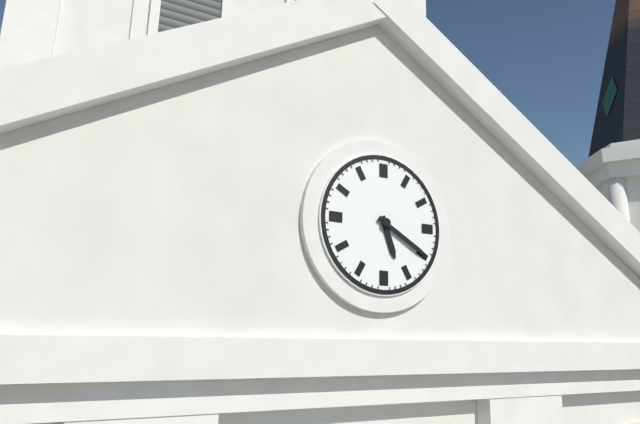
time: 5.20
